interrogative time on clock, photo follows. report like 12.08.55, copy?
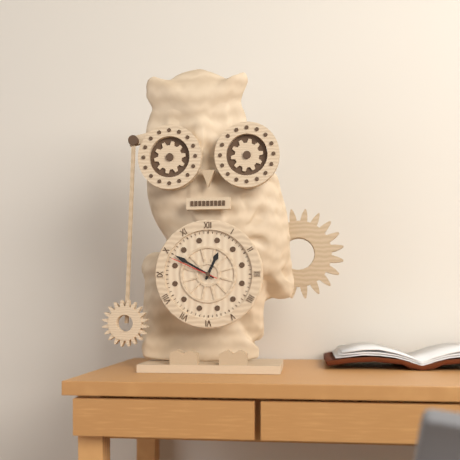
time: 12.50.49
